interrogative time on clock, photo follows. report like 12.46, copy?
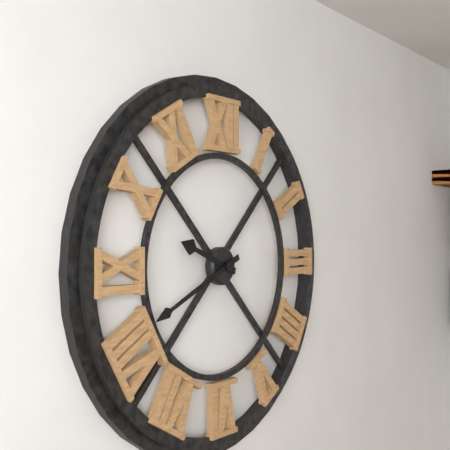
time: 9.41
